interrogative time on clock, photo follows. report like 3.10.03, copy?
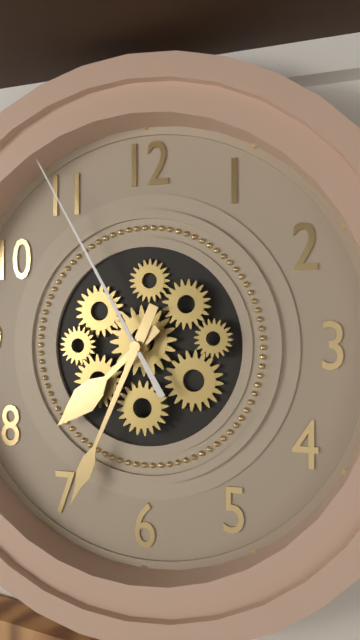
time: 7.34.55
